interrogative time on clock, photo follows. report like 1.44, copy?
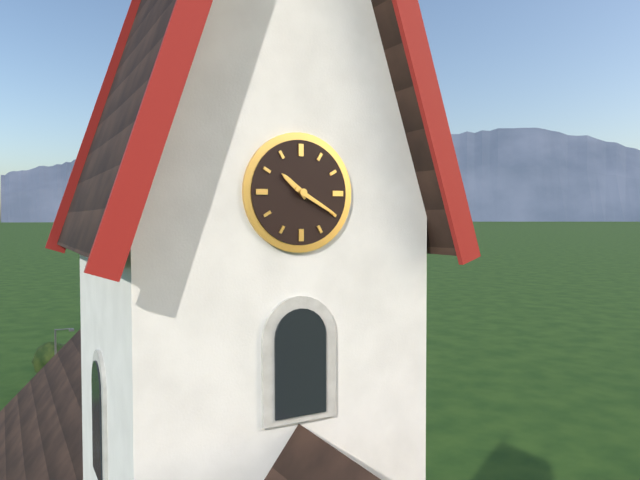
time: 10.20
